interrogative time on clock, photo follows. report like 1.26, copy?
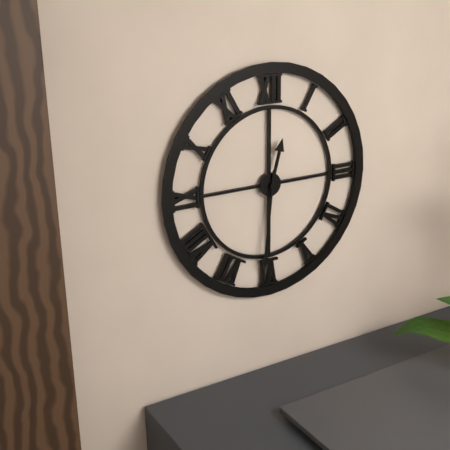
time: 12.31
